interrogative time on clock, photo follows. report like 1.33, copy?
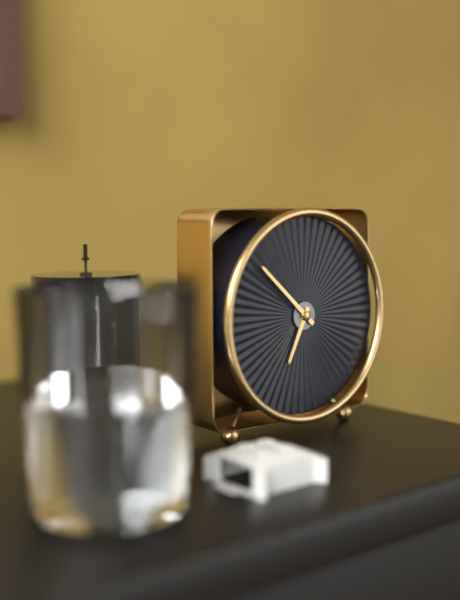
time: 6.52
